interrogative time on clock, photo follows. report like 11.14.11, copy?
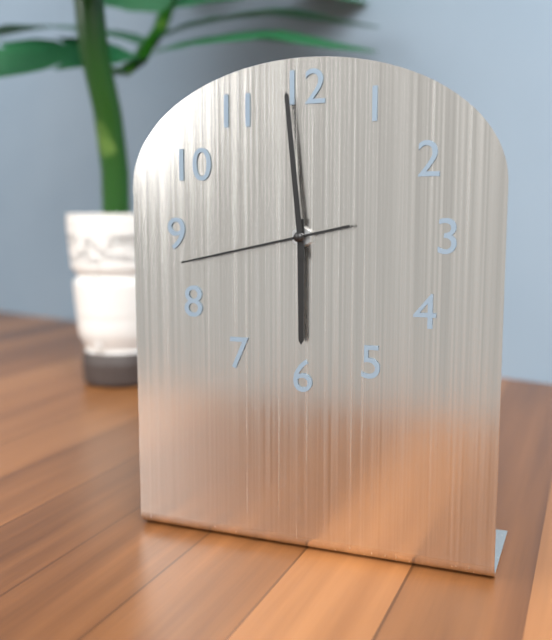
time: 5.59.43
